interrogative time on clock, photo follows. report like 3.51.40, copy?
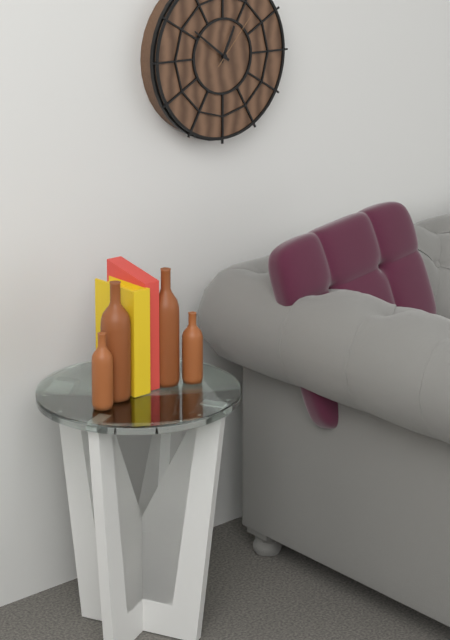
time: 12.51.07
